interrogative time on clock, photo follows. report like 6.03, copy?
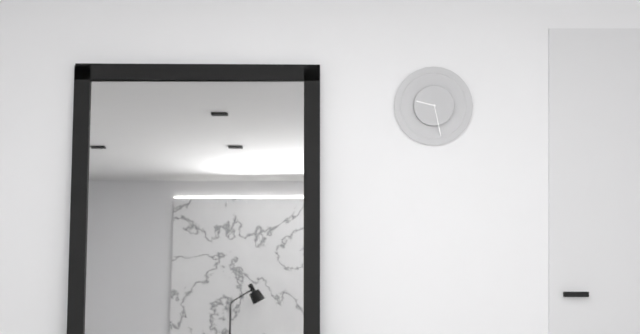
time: 9.28
